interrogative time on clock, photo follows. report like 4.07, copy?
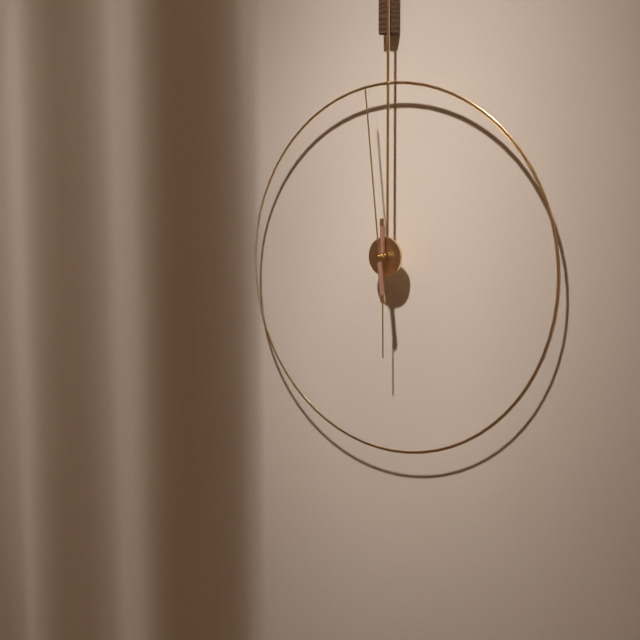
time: 5.59
